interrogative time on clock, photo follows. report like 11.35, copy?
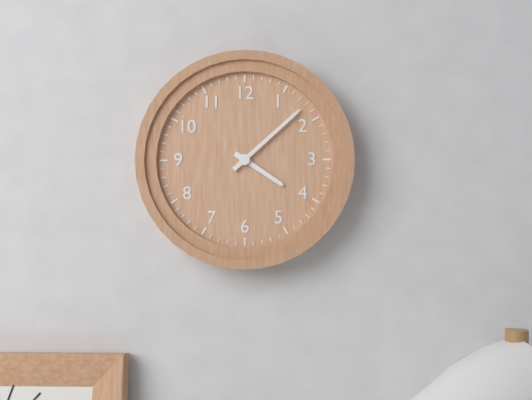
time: 4.08
